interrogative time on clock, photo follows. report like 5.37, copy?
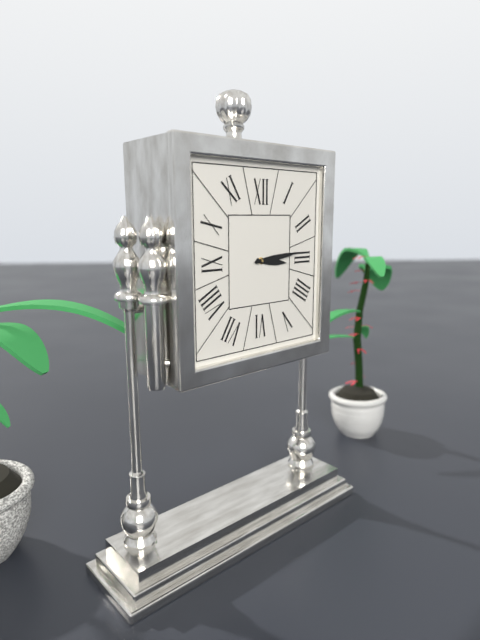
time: 3.14
